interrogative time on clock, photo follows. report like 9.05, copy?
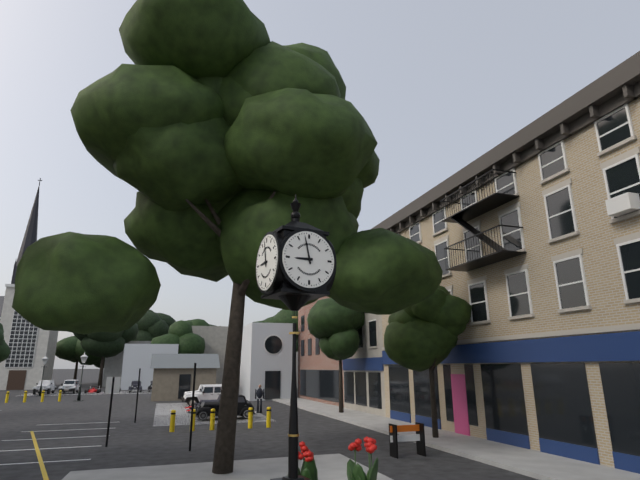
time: 8.58
